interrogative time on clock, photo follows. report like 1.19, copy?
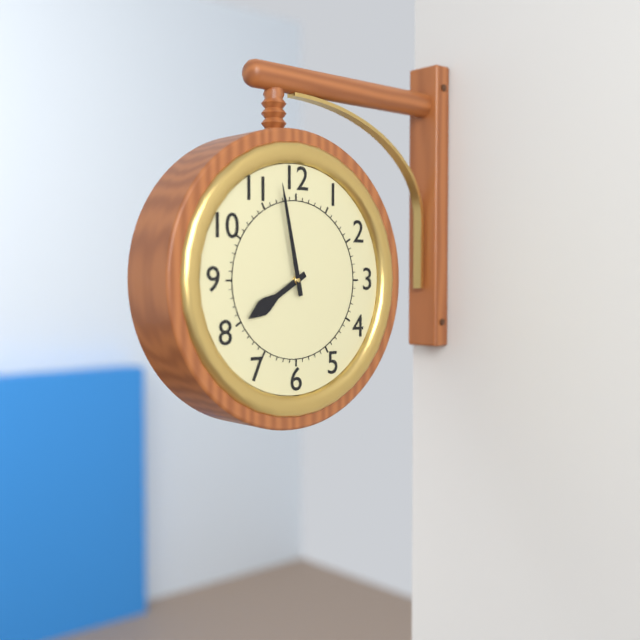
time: 7.58
